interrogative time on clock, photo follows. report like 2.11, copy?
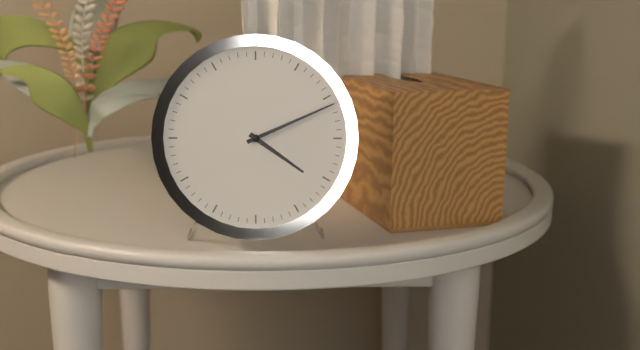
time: 4.11
